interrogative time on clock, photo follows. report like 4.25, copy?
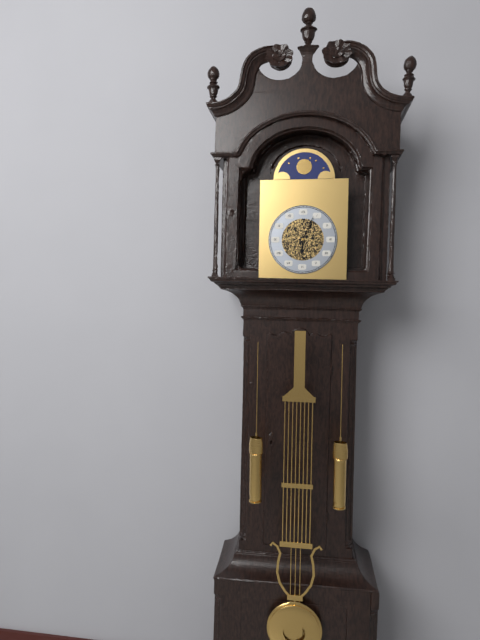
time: 6.04
